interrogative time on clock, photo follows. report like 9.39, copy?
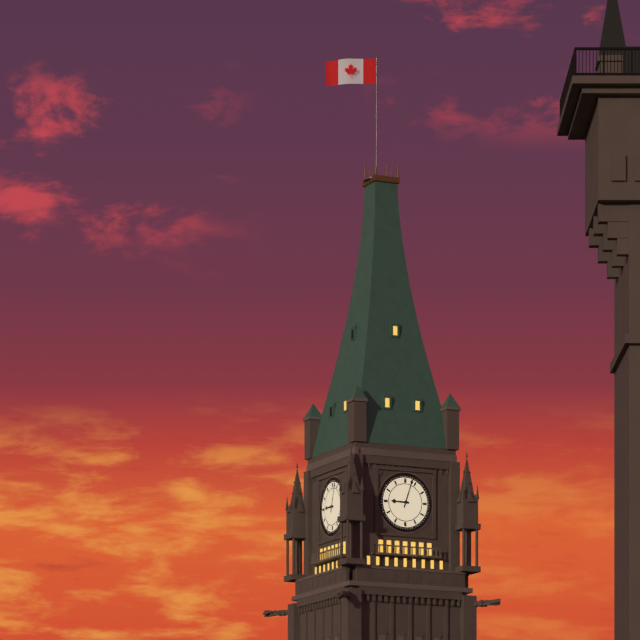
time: 9.03
